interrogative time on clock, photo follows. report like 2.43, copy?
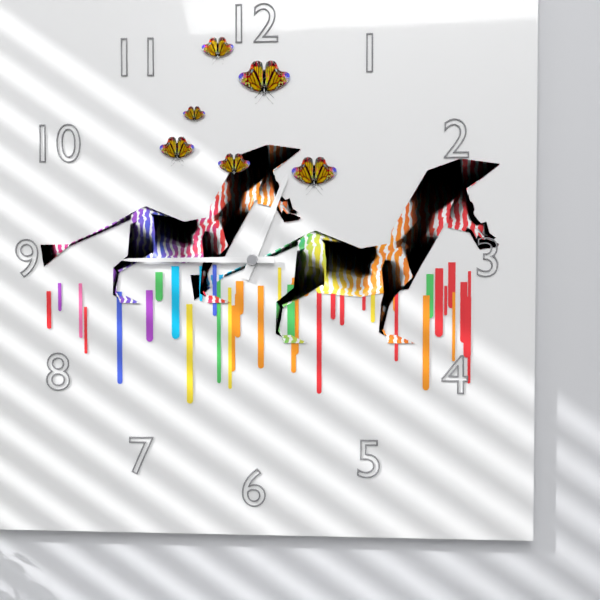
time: 12.45
